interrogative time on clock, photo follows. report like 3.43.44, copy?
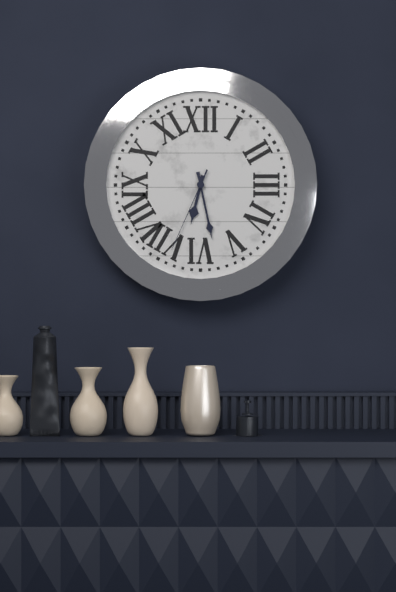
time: 6.28.34
